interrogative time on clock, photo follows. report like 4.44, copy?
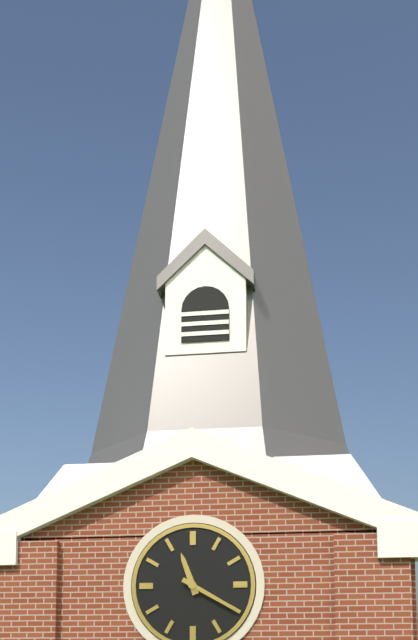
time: 11.20
